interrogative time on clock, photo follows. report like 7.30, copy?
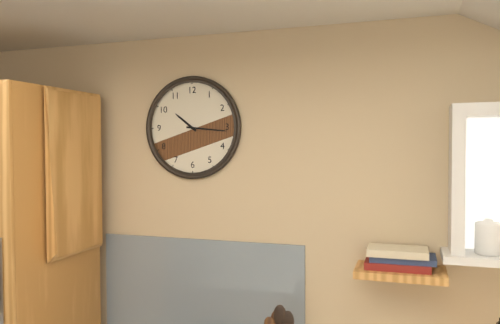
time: 10.16
